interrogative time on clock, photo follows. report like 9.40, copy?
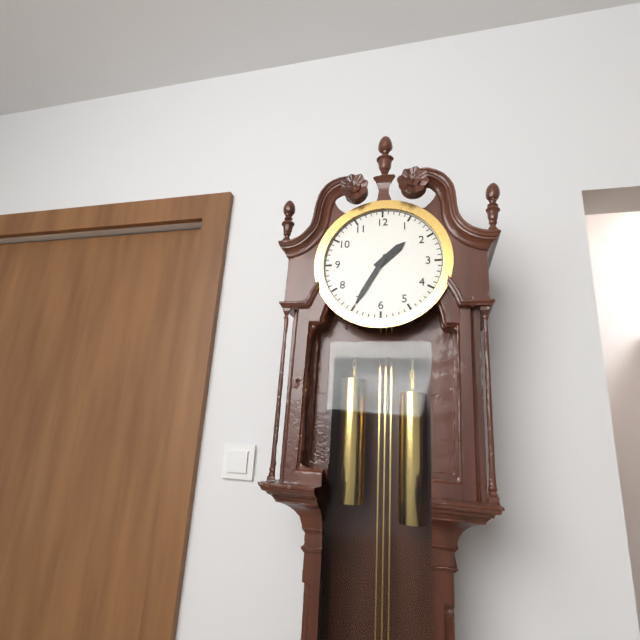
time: 1.35
